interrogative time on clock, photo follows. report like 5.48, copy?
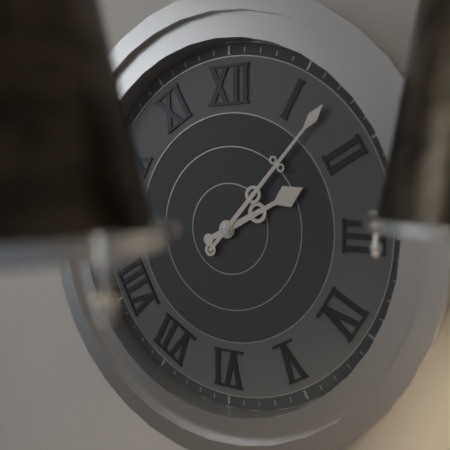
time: 2.07
